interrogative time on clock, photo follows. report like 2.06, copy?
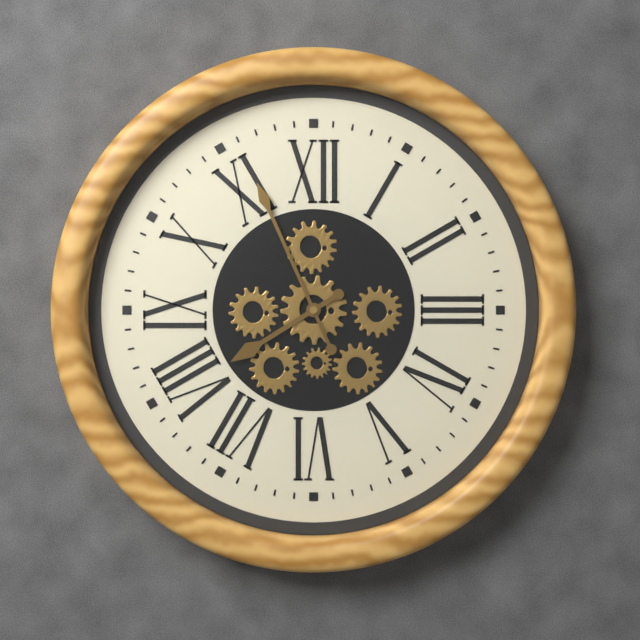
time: 7.56
